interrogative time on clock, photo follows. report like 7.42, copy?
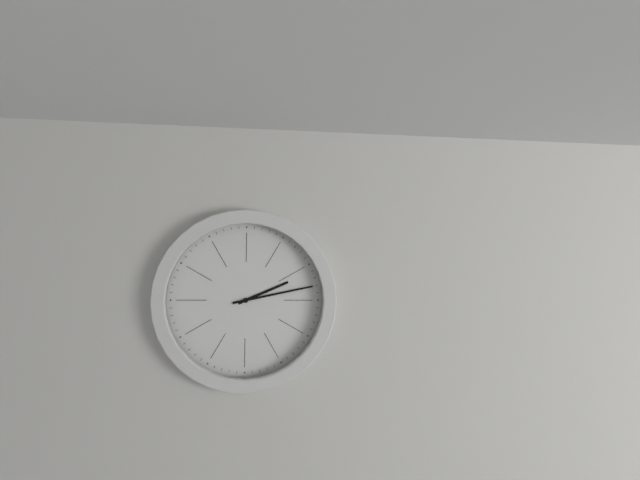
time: 2.13
